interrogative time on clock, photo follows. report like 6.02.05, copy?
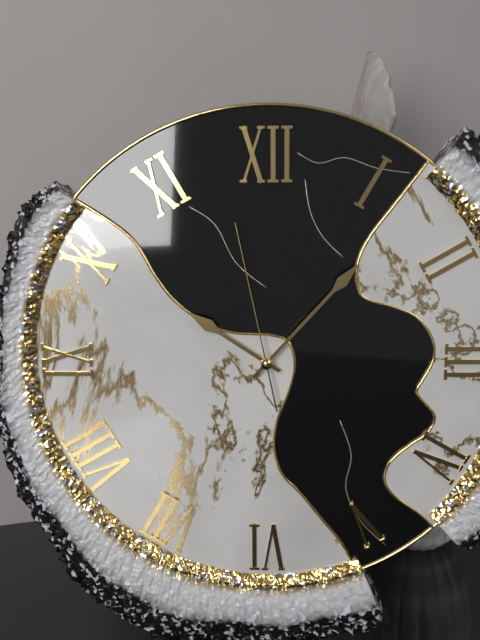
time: 10.07.58
